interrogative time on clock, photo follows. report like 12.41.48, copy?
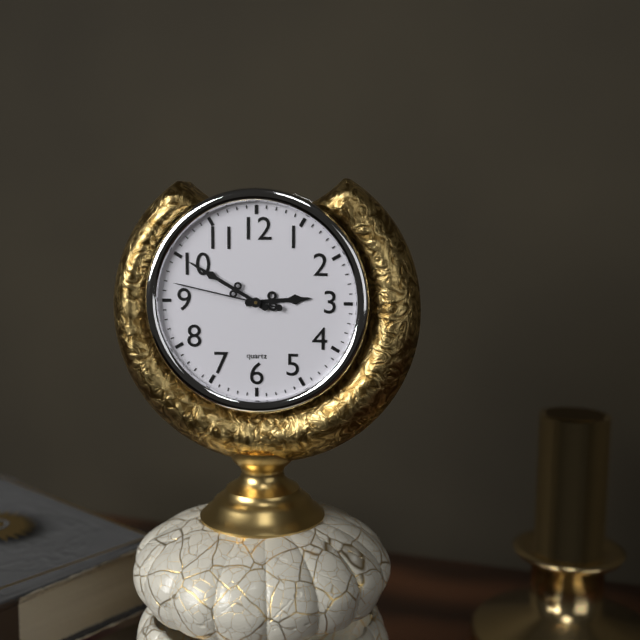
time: 2.50.47
